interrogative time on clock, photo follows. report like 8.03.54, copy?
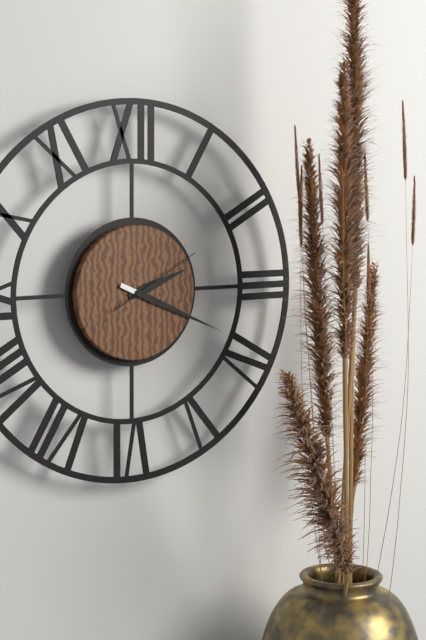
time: 2.19.10
